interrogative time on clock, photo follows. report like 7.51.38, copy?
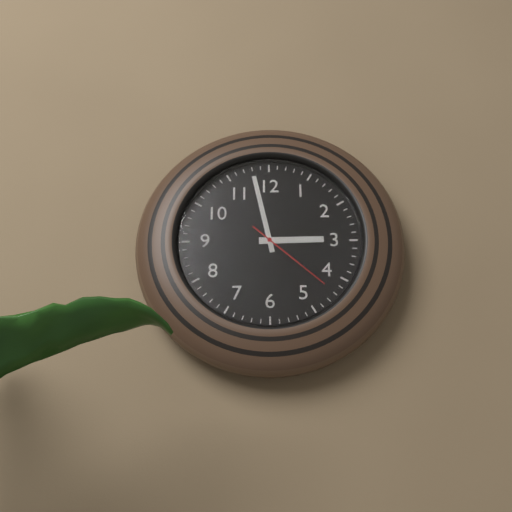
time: 2.58.22
